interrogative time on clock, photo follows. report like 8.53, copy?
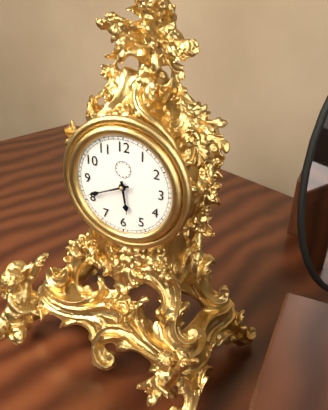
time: 5.41
